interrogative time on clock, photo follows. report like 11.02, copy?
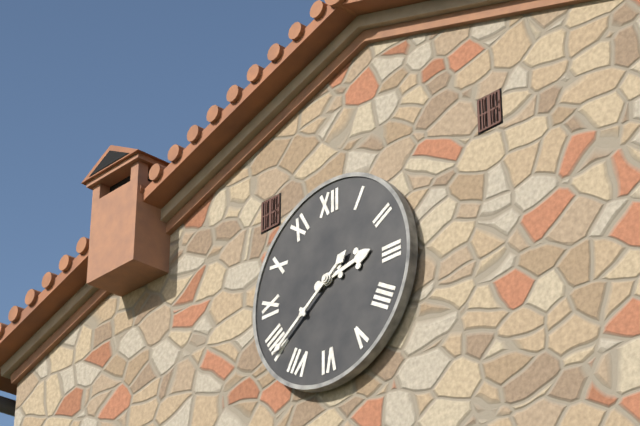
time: 2.39
